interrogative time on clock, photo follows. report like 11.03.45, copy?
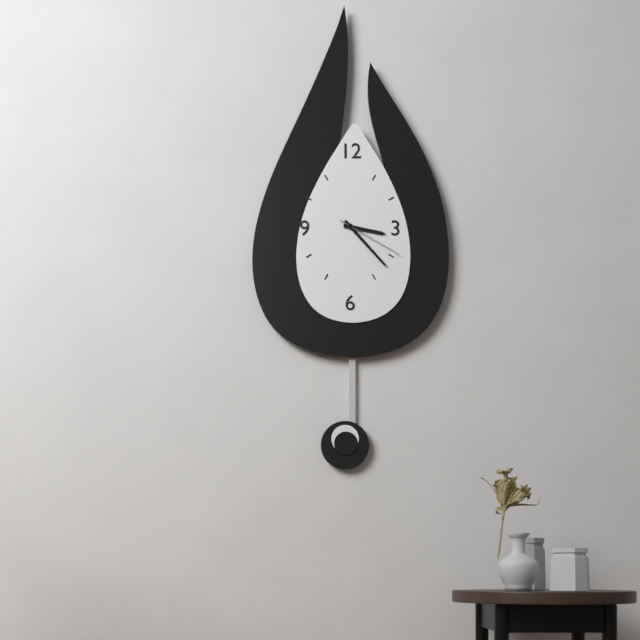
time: 3.23.20
